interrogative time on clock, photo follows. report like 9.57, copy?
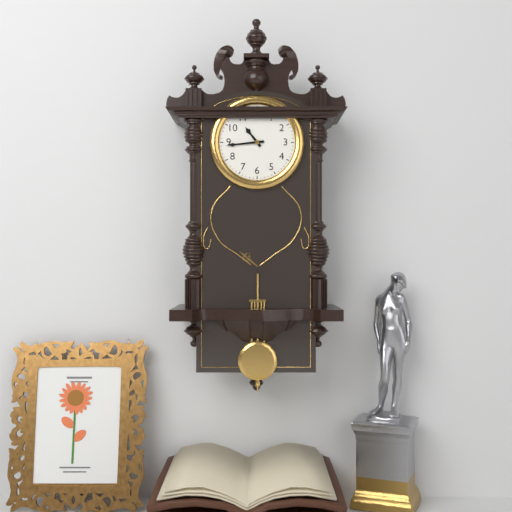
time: 10.44
